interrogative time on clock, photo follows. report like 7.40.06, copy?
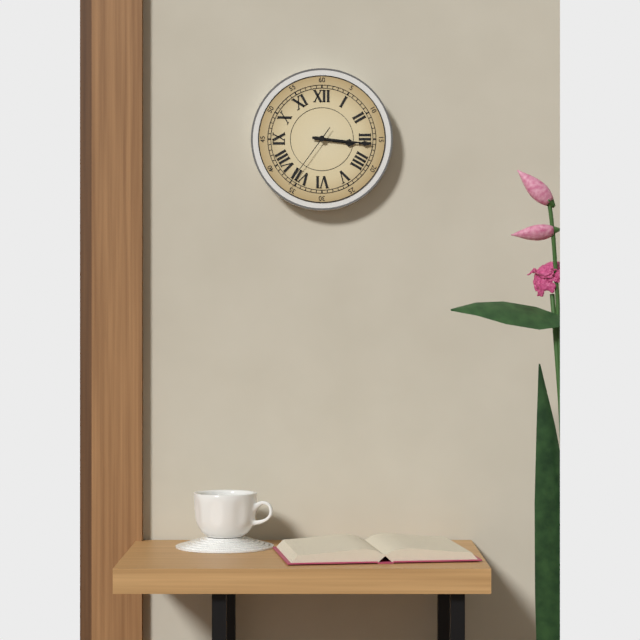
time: 3.16.36
